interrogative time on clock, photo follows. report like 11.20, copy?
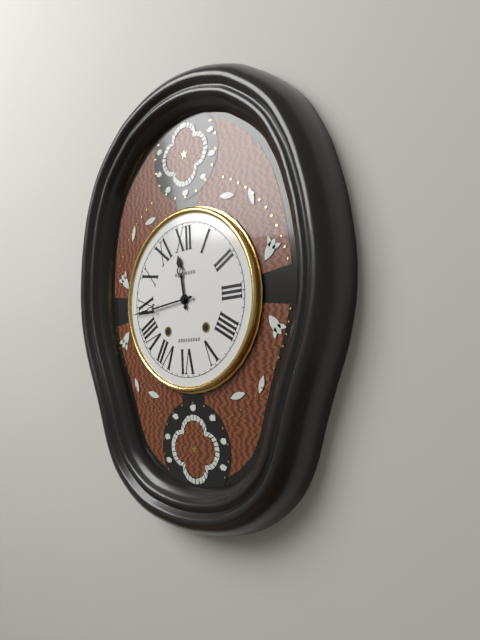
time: 11.44
